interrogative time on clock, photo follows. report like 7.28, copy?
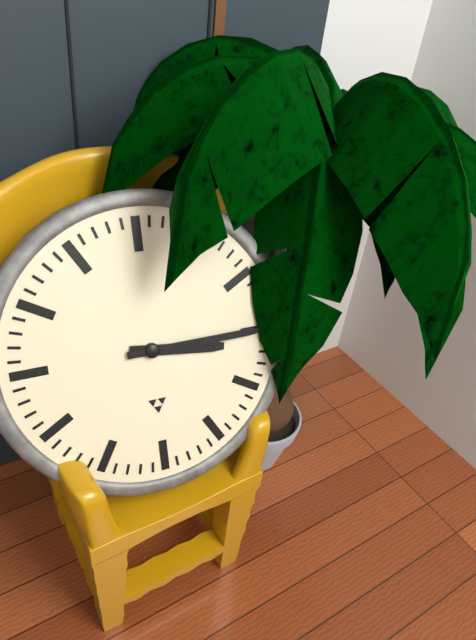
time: 3.15
